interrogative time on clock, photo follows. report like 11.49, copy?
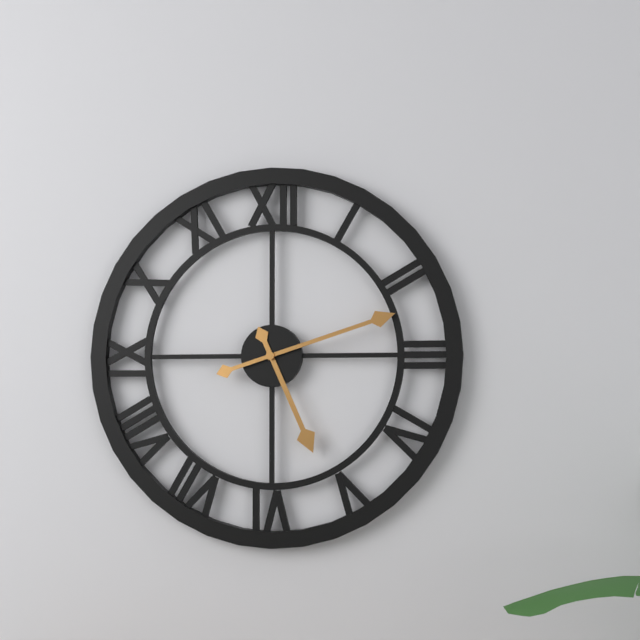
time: 5.12
